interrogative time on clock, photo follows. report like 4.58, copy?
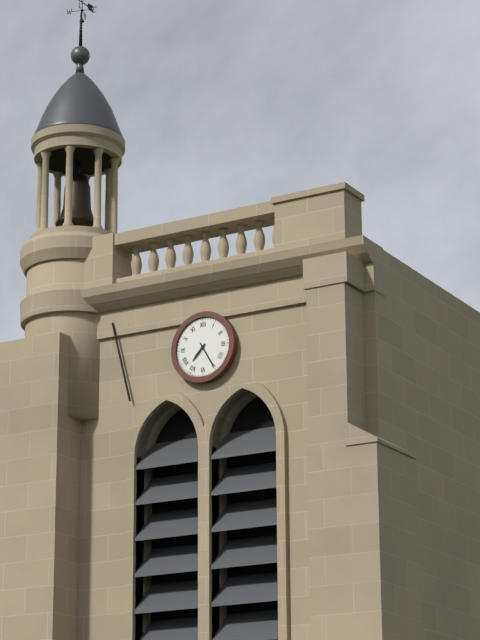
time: 7.25
